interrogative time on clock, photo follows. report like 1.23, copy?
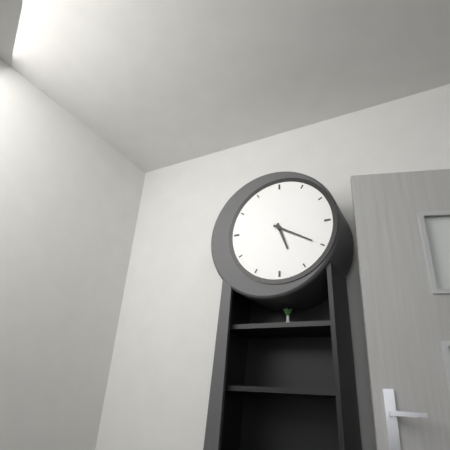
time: 5.20
